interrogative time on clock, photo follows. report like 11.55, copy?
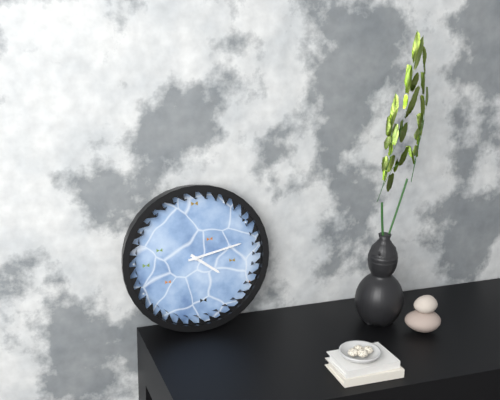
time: 4.13
